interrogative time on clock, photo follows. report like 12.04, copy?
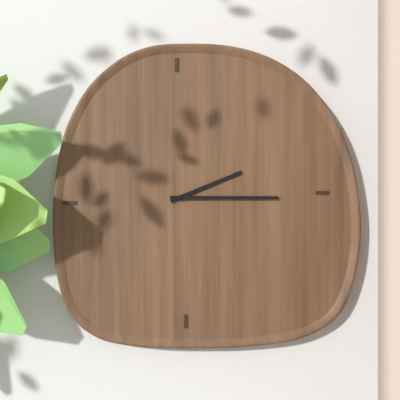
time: 2.15
